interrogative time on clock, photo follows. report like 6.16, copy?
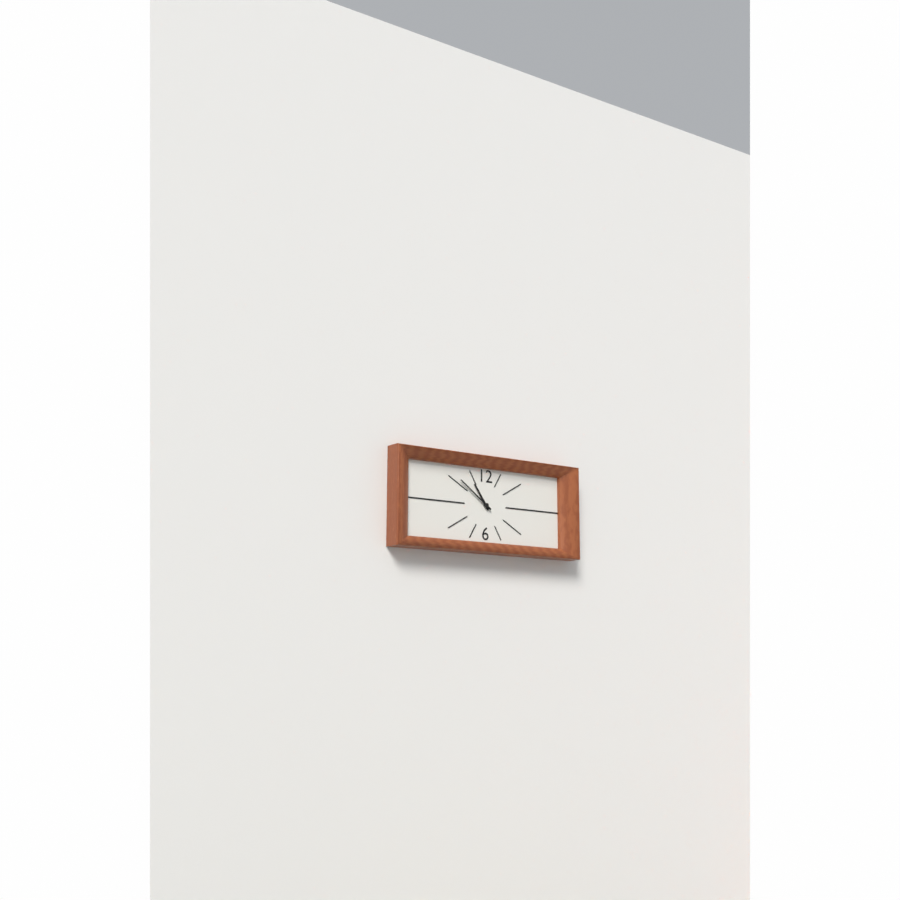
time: 10.51
